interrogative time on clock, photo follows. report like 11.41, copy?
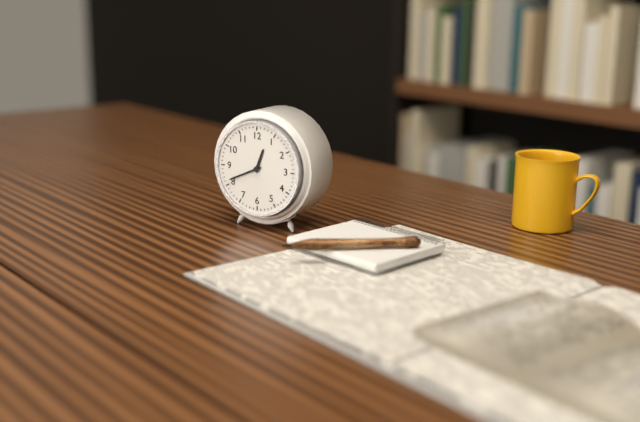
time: 12.41
